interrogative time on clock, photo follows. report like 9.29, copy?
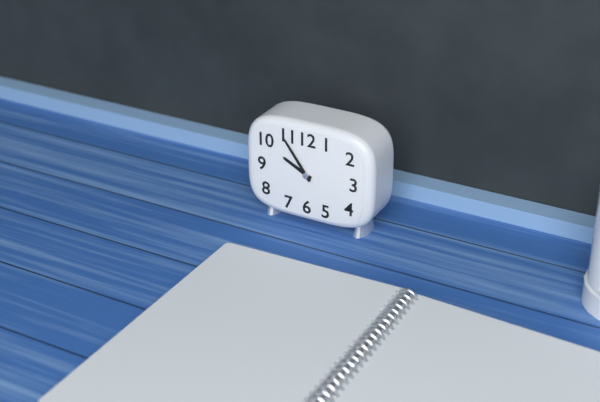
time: 9.54
